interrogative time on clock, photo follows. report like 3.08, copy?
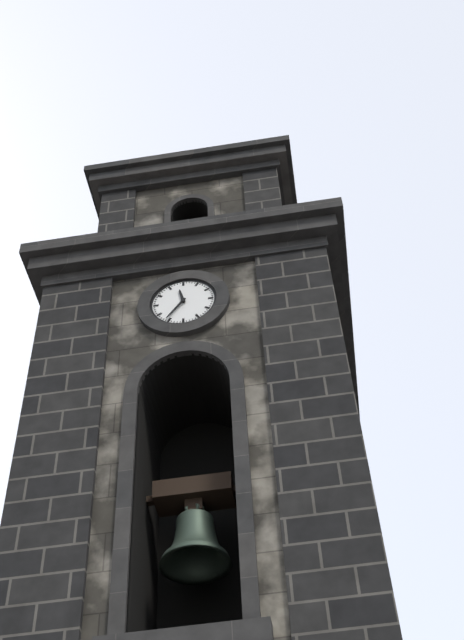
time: 11.36
